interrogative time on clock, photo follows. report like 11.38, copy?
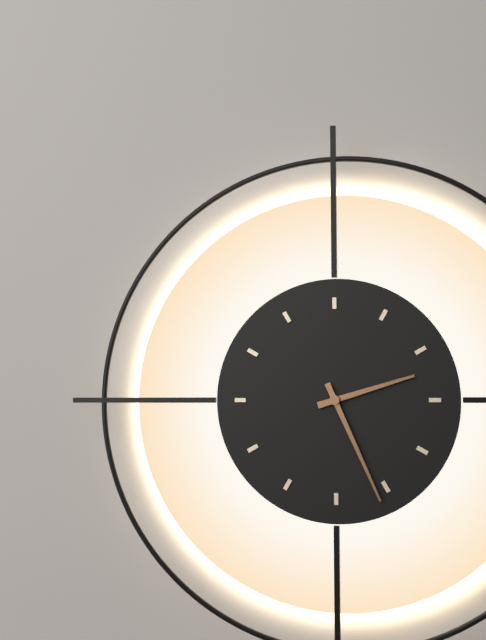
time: 2.26
